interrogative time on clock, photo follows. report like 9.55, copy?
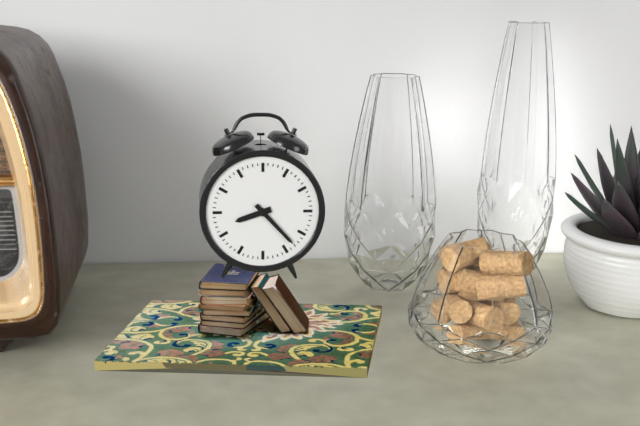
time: 8.23
